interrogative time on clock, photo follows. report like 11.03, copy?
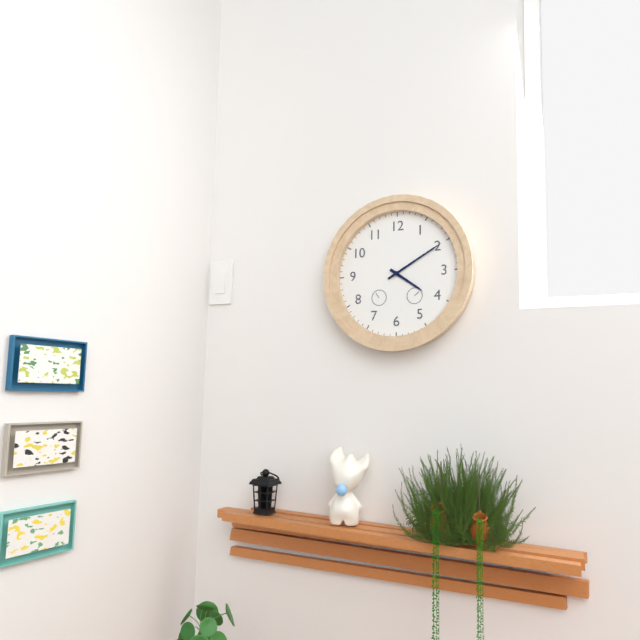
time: 4.10
